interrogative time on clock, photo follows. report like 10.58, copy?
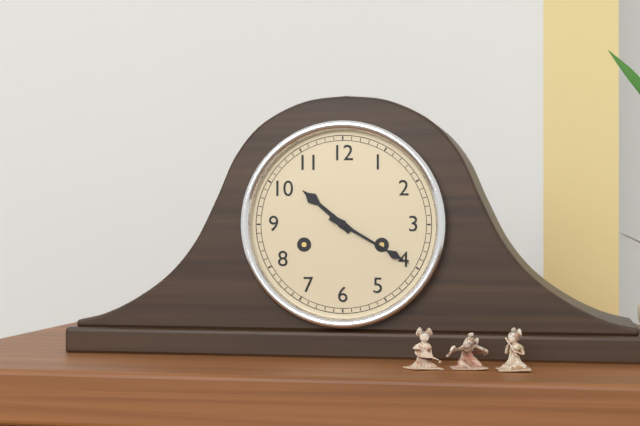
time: 10.20
